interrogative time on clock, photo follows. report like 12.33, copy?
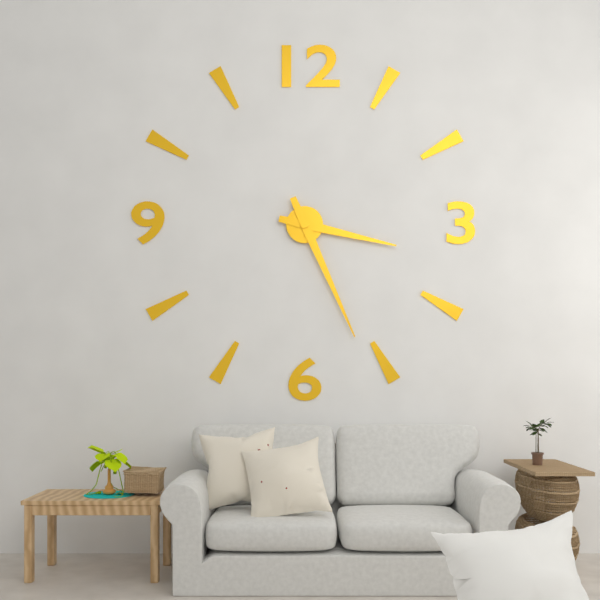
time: 3.26
